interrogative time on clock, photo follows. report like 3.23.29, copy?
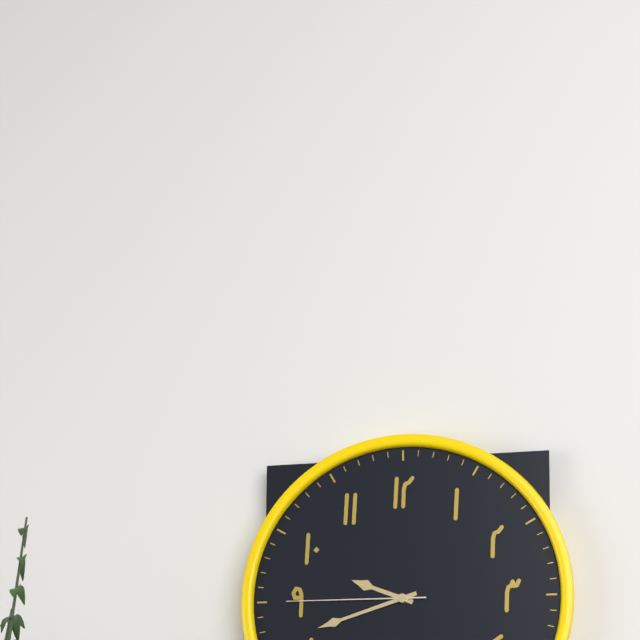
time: 9.42.45
